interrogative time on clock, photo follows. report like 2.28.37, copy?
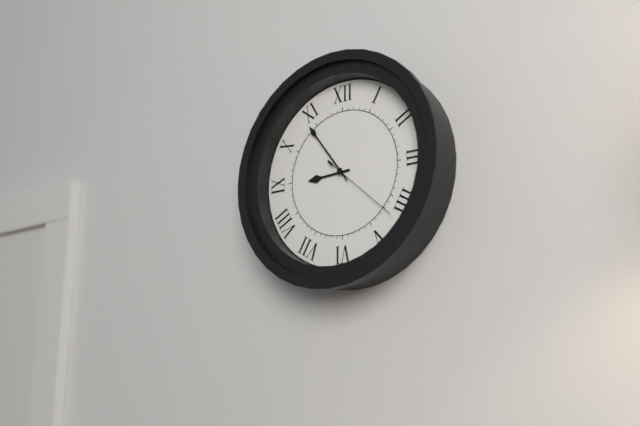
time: 8.54.22
